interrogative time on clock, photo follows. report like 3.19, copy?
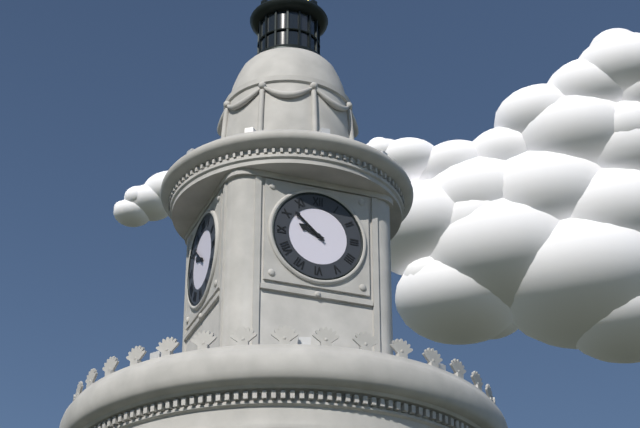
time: 9.52
